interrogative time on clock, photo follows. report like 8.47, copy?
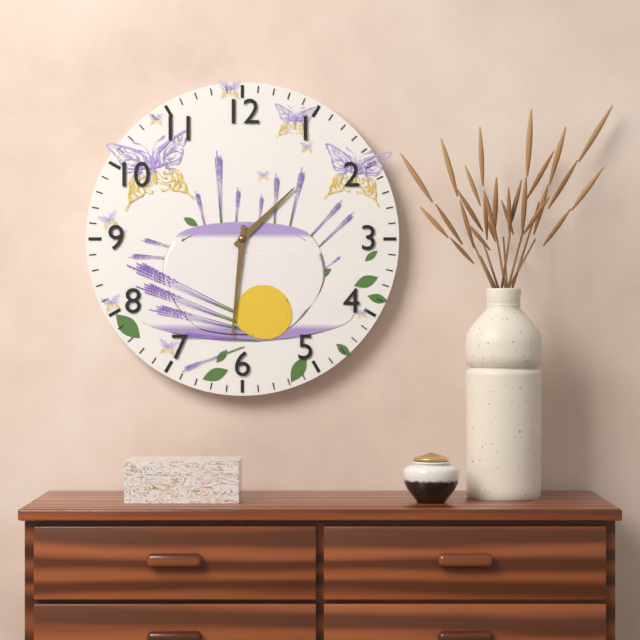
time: 1.31
